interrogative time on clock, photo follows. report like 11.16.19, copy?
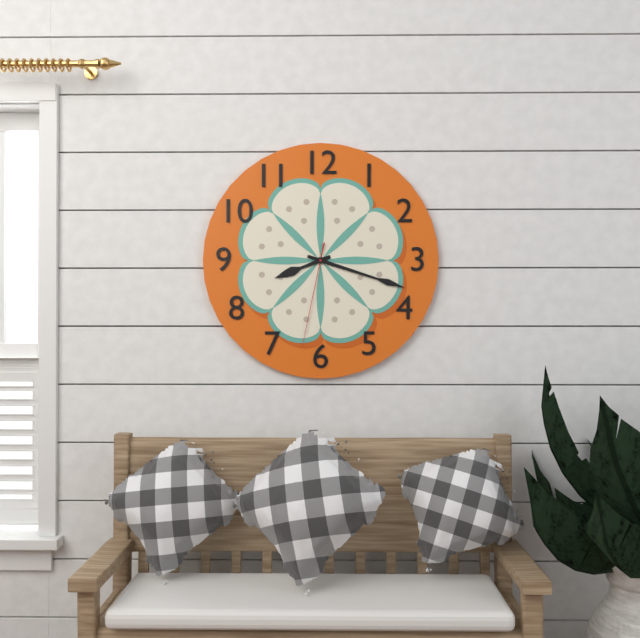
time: 8.18.32
